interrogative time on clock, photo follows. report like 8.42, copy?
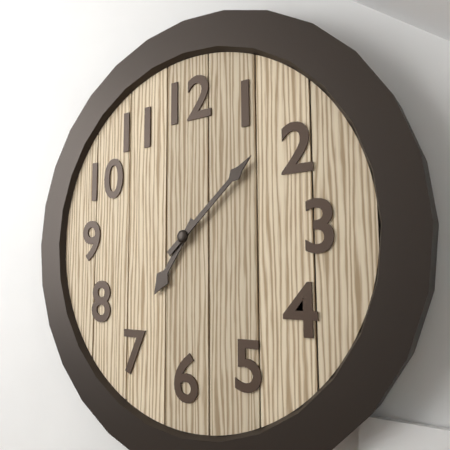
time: 7.08
